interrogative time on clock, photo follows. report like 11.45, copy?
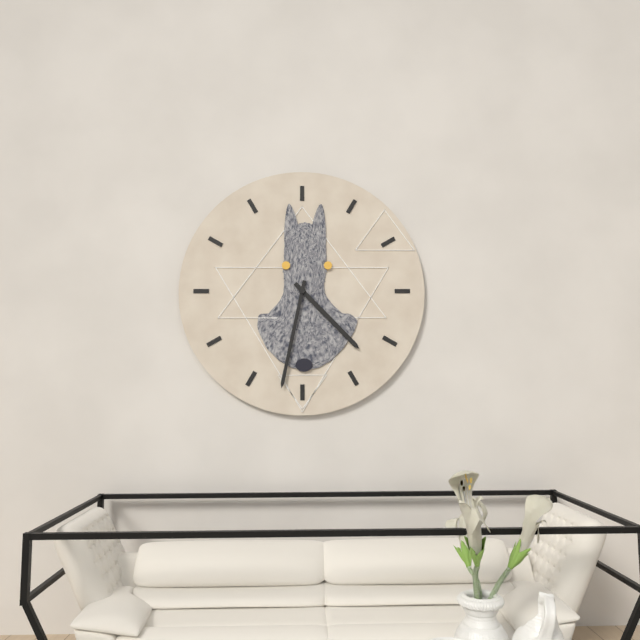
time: 4.32
